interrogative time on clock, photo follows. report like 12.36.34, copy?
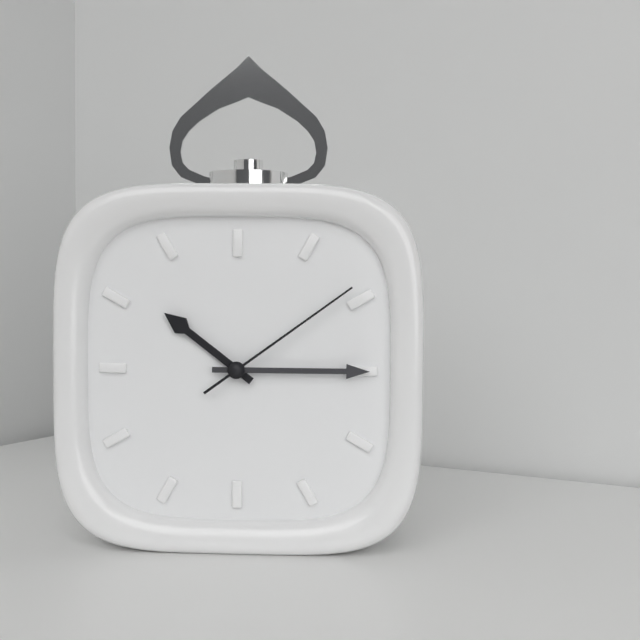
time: 10.15.09
